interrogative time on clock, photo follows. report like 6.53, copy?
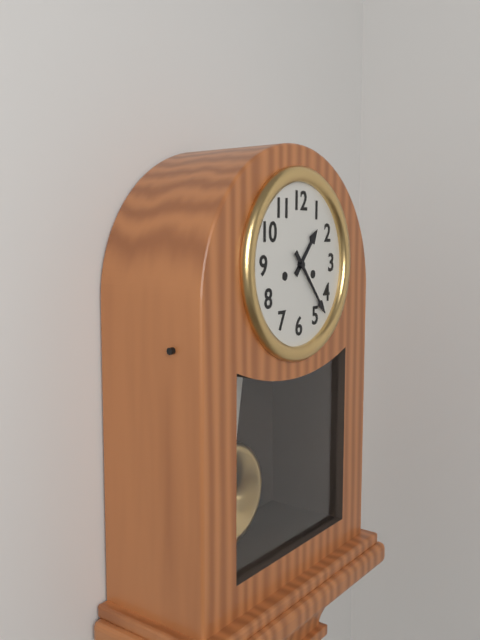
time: 1.23
